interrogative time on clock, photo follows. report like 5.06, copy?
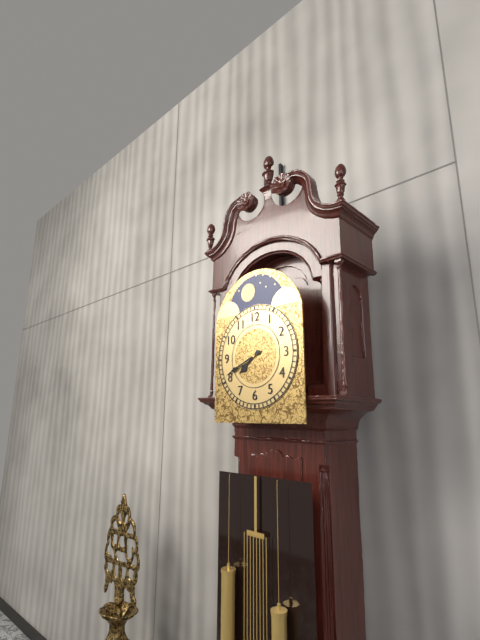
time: 7.41
